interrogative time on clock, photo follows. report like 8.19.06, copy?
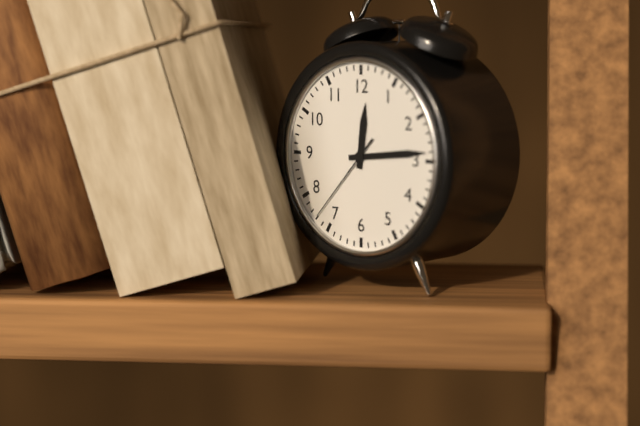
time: 12.14.37
